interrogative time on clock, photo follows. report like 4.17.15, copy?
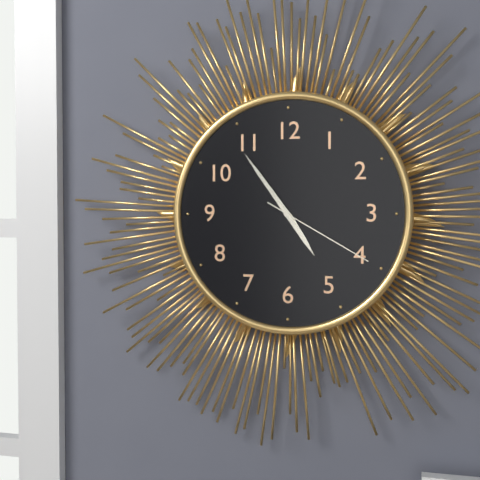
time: 4.54.20
